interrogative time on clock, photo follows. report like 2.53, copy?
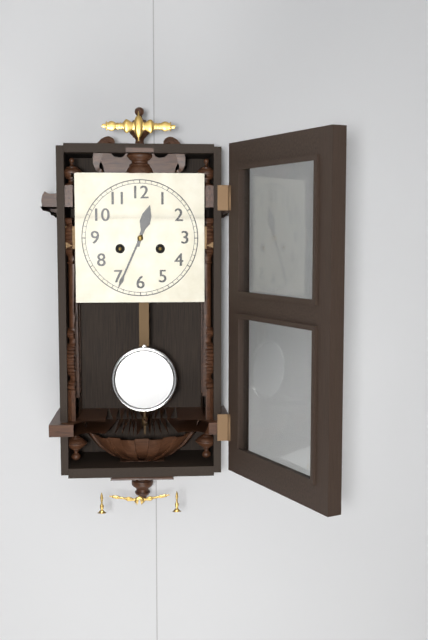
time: 12.34
